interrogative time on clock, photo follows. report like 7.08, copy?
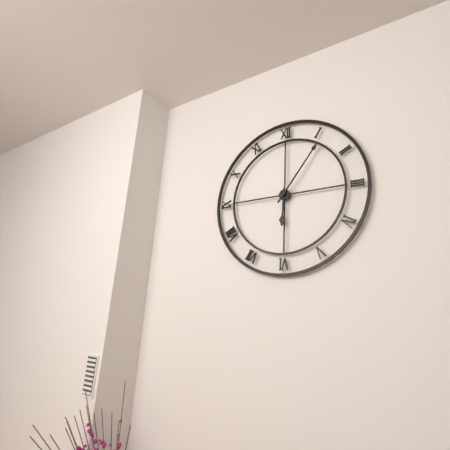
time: 6.06
